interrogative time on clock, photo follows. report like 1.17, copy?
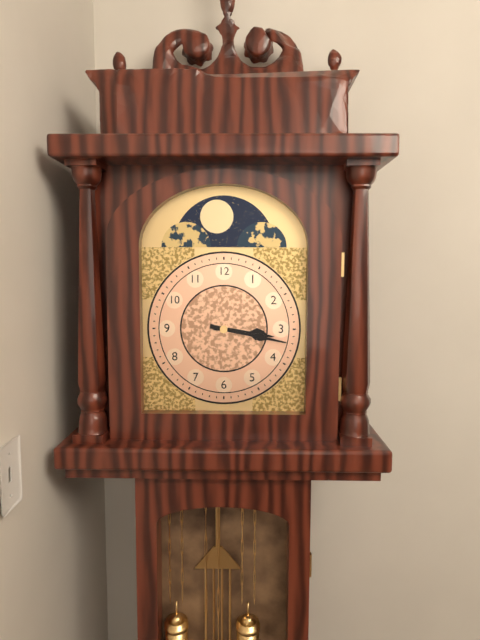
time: 3.17
